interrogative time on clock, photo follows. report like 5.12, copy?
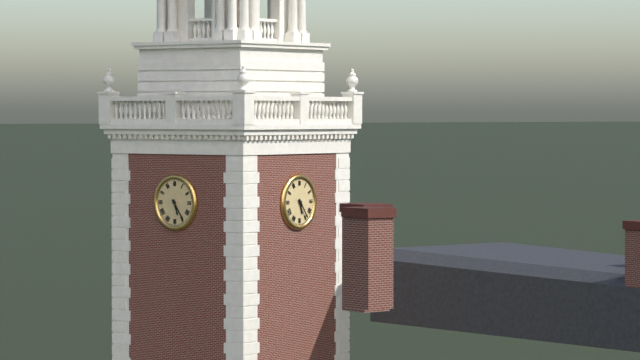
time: 5.24
